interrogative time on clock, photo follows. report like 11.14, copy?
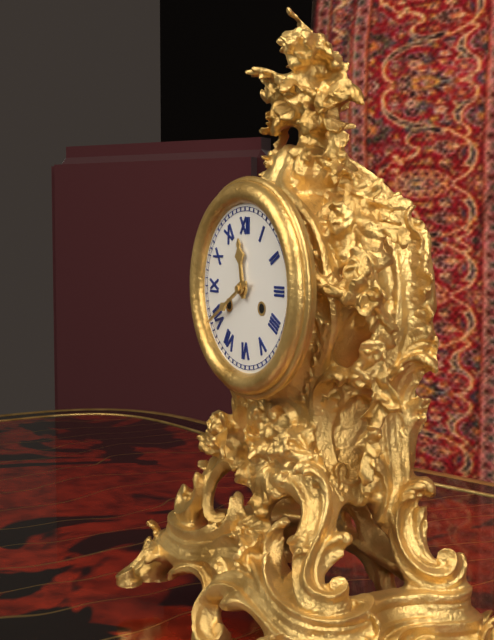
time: 11.40
